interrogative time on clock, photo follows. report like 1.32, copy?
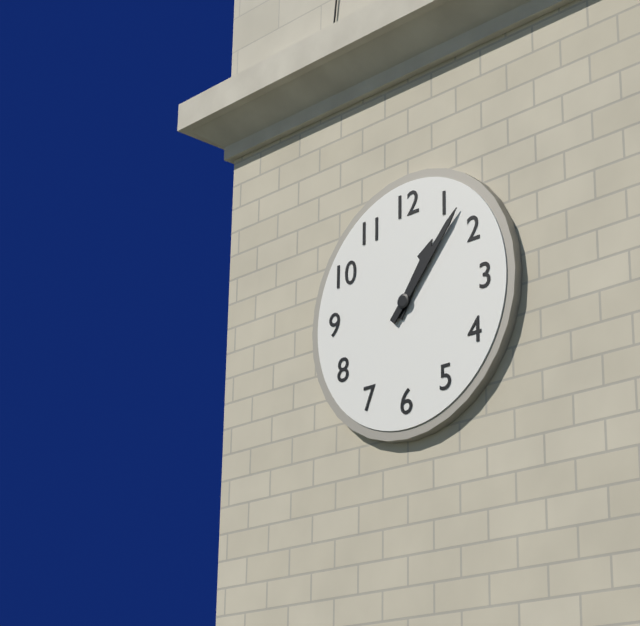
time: 1.07
